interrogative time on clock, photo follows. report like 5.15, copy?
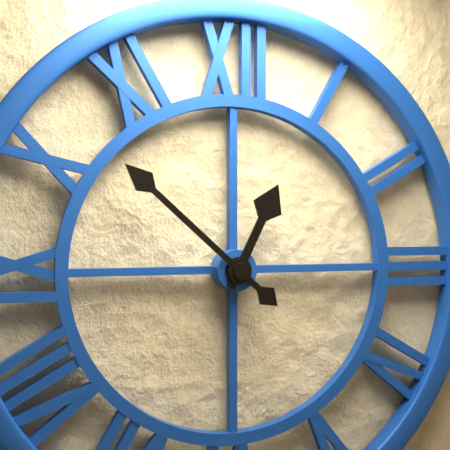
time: 12.52
